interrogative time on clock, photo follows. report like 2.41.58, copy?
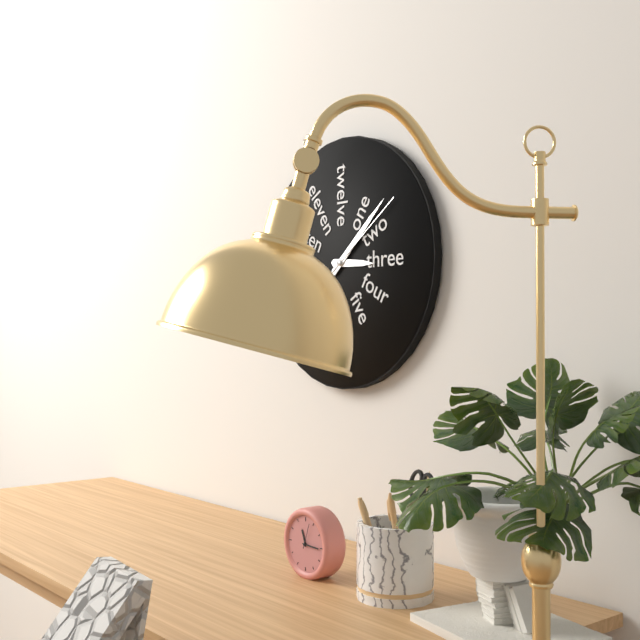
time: 3.08.09
